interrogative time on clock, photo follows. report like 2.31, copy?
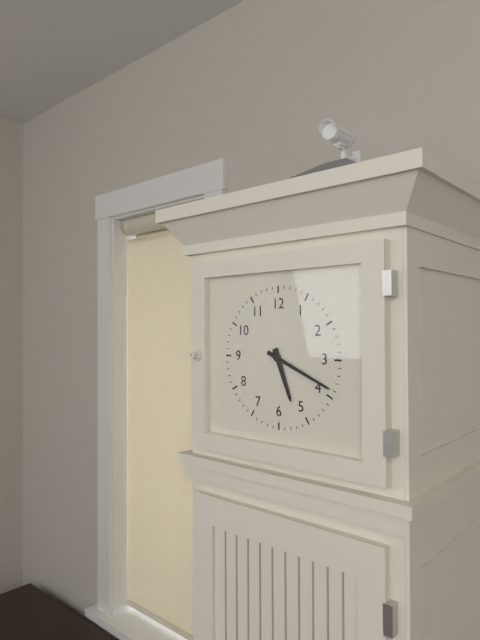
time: 5.19
